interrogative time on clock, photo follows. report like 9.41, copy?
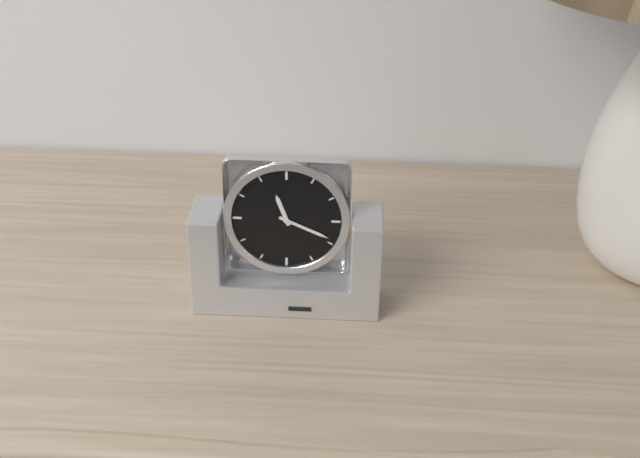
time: 11.19
